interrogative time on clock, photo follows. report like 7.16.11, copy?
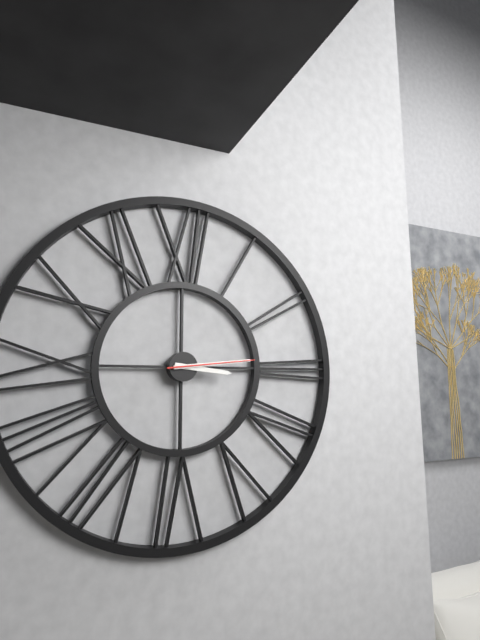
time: 3.14.14
